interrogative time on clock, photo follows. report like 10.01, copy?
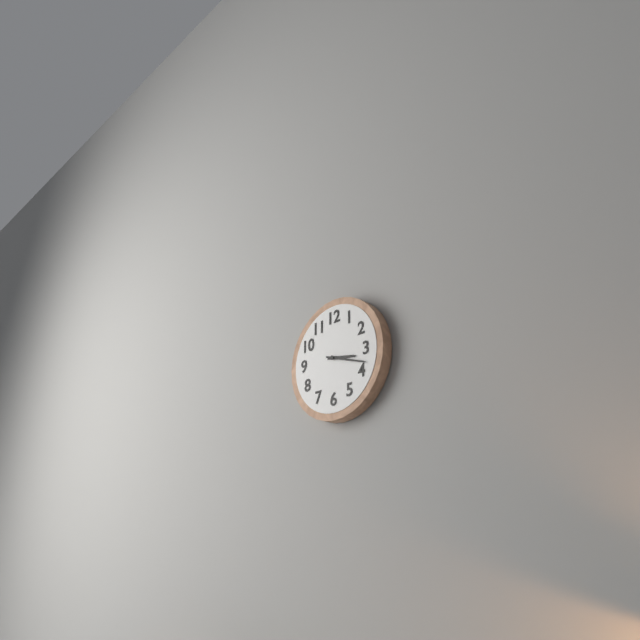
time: 3.18
